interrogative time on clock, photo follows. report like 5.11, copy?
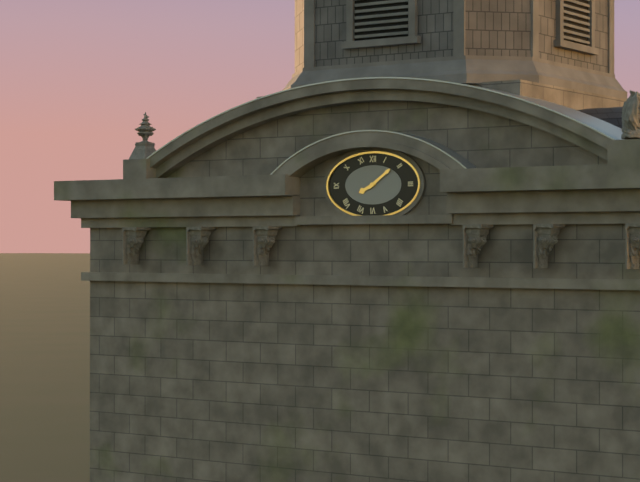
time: 8.09
